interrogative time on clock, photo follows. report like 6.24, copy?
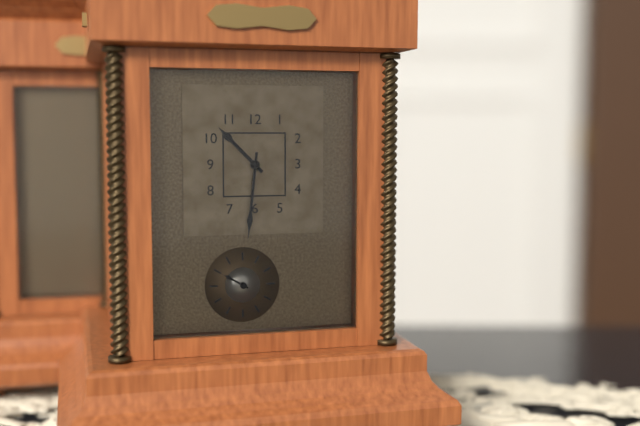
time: 10.31
